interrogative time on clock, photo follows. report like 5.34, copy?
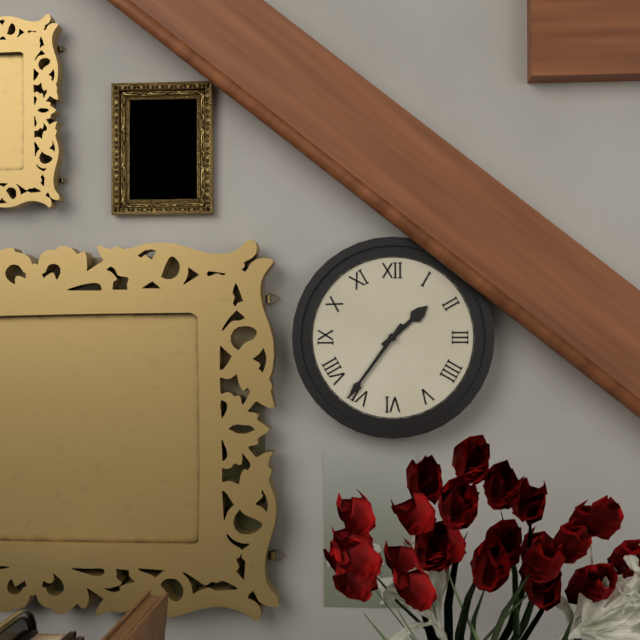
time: 1.36
